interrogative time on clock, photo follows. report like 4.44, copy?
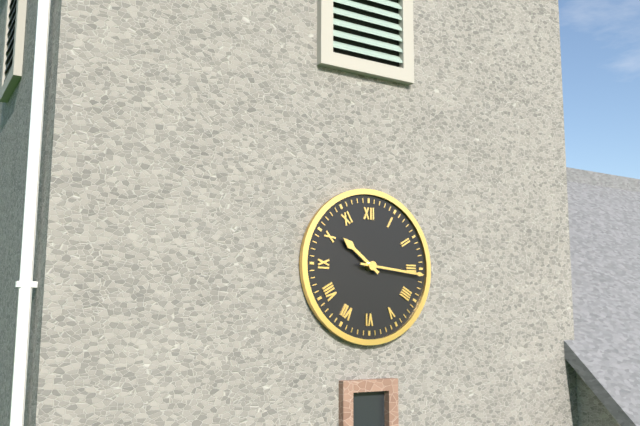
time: 10.16
